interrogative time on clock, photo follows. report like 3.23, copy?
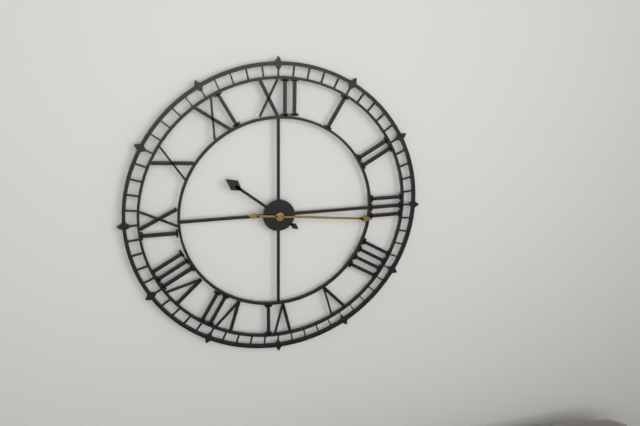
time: 10.16
